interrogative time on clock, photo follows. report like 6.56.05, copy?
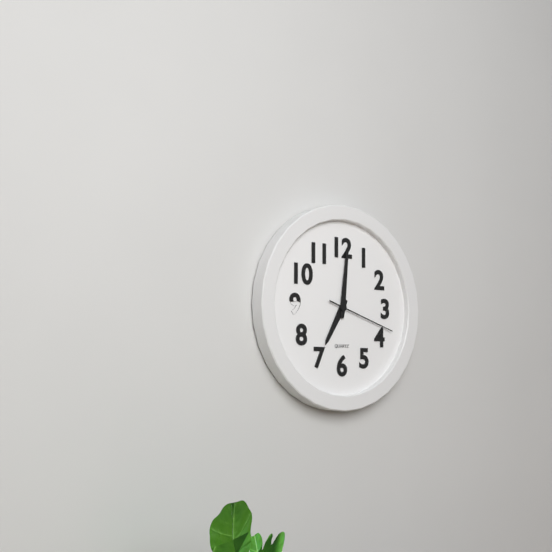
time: 7.01.18
